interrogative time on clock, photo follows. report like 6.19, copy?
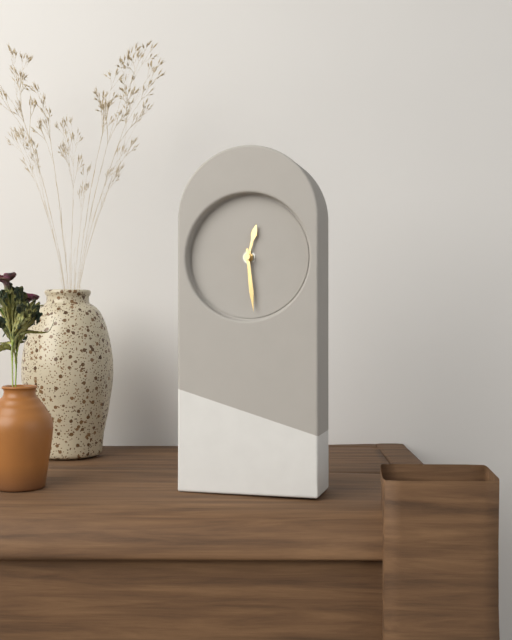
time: 12.29
